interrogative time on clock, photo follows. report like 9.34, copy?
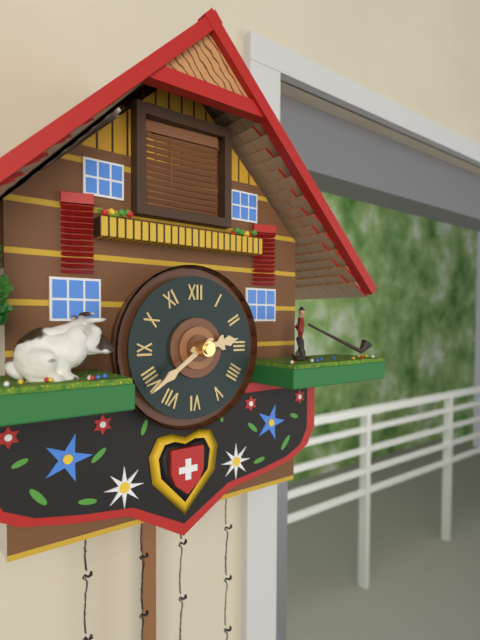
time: 2.39
